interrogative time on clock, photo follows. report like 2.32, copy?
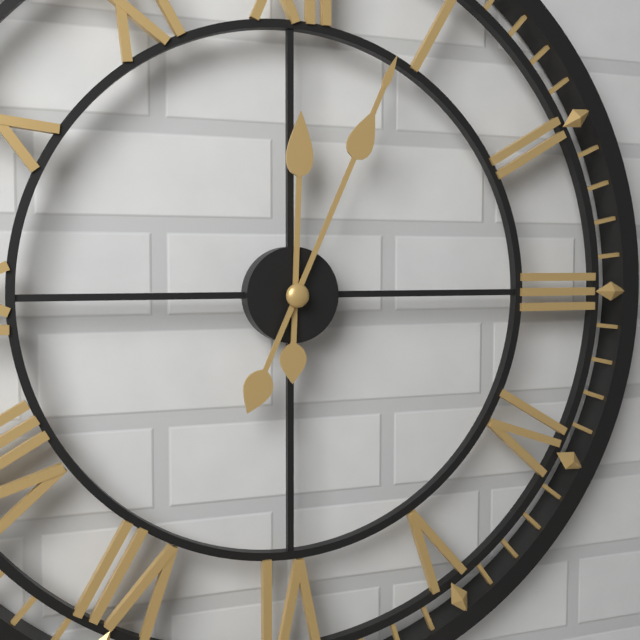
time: 12.04
